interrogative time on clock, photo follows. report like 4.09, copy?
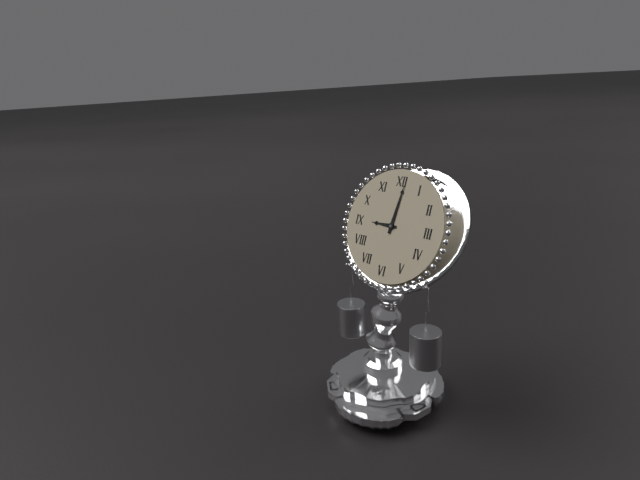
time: 9.01
